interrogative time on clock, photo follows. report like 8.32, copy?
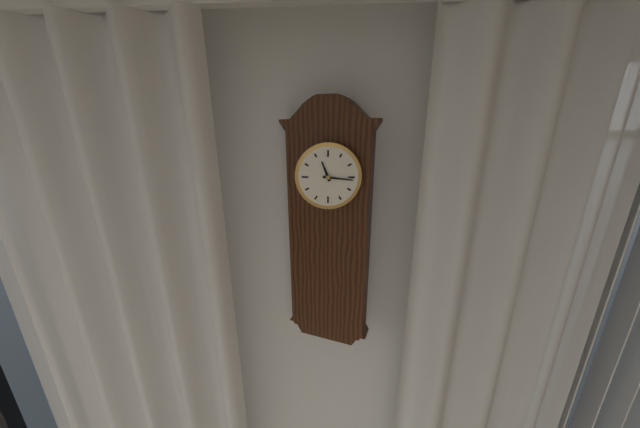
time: 11.16
